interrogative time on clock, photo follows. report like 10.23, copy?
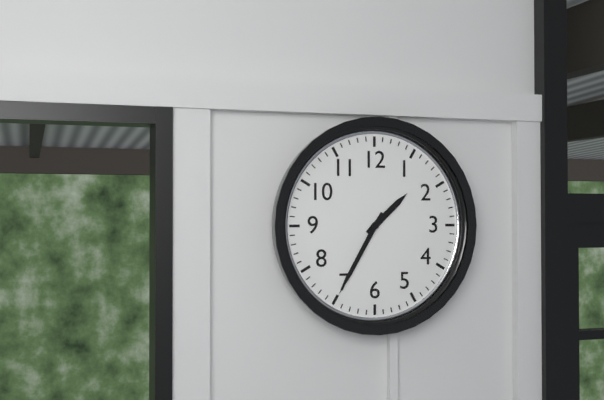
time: 1.35
